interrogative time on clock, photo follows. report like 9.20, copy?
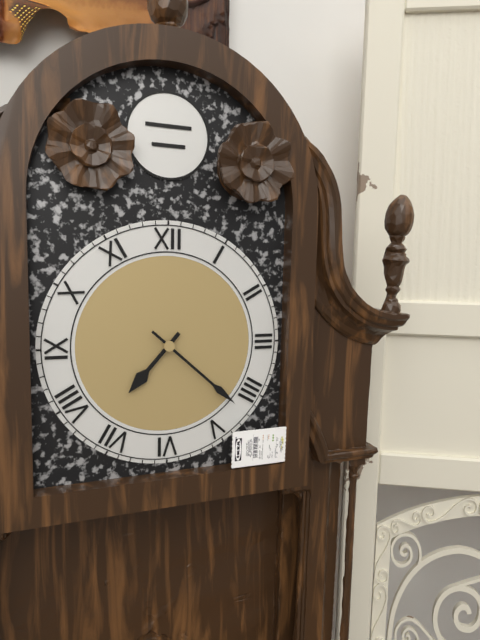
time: 7.22
